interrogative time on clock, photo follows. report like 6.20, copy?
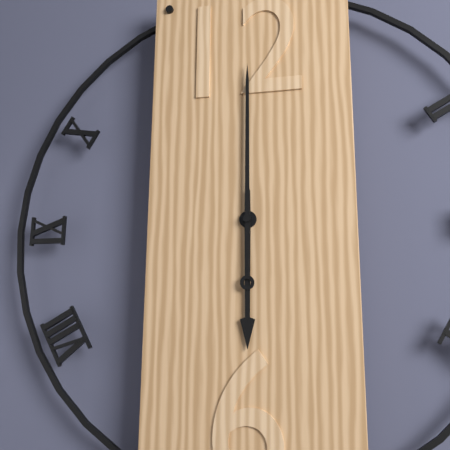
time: 6.00
